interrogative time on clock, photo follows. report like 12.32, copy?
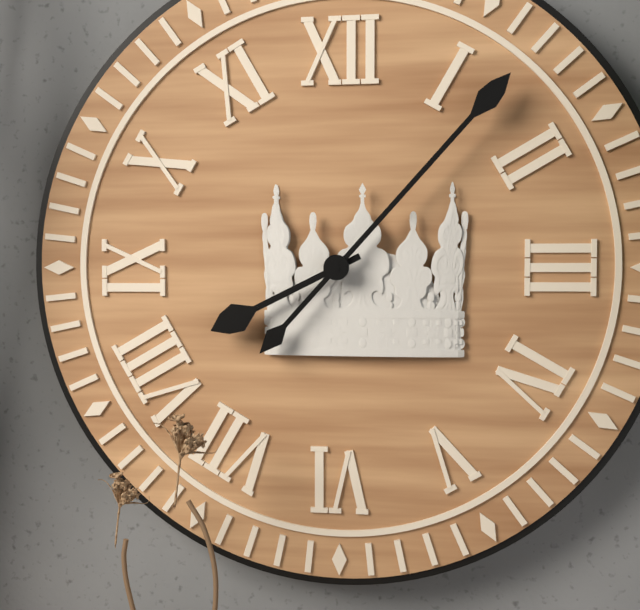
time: 8.07
